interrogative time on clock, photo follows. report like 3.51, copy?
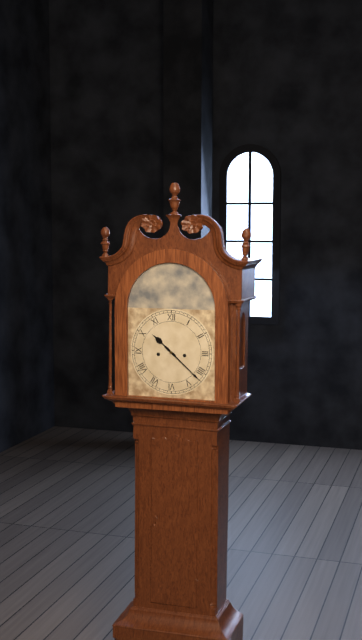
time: 10.22
